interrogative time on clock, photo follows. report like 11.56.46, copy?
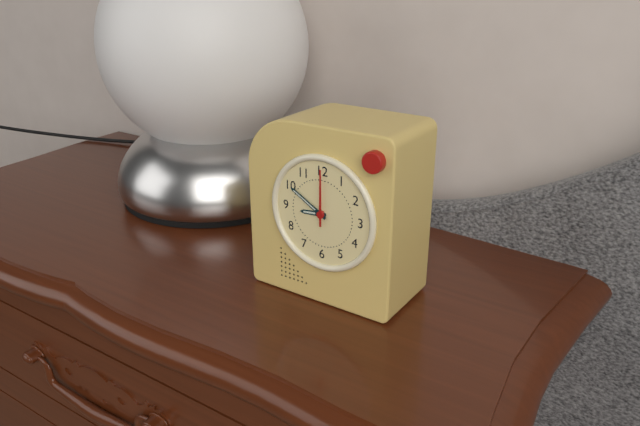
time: 8.50.00
